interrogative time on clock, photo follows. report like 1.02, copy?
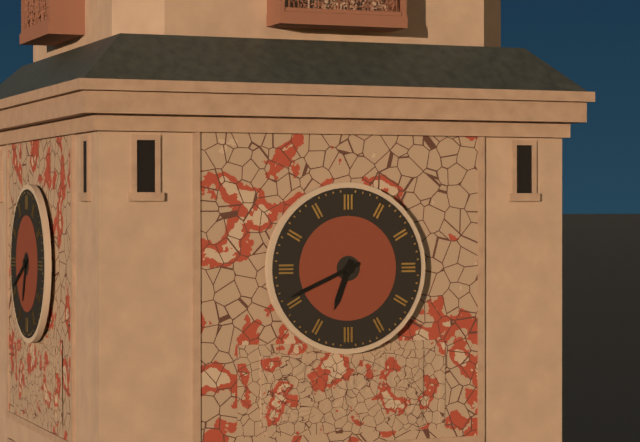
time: 6.41
